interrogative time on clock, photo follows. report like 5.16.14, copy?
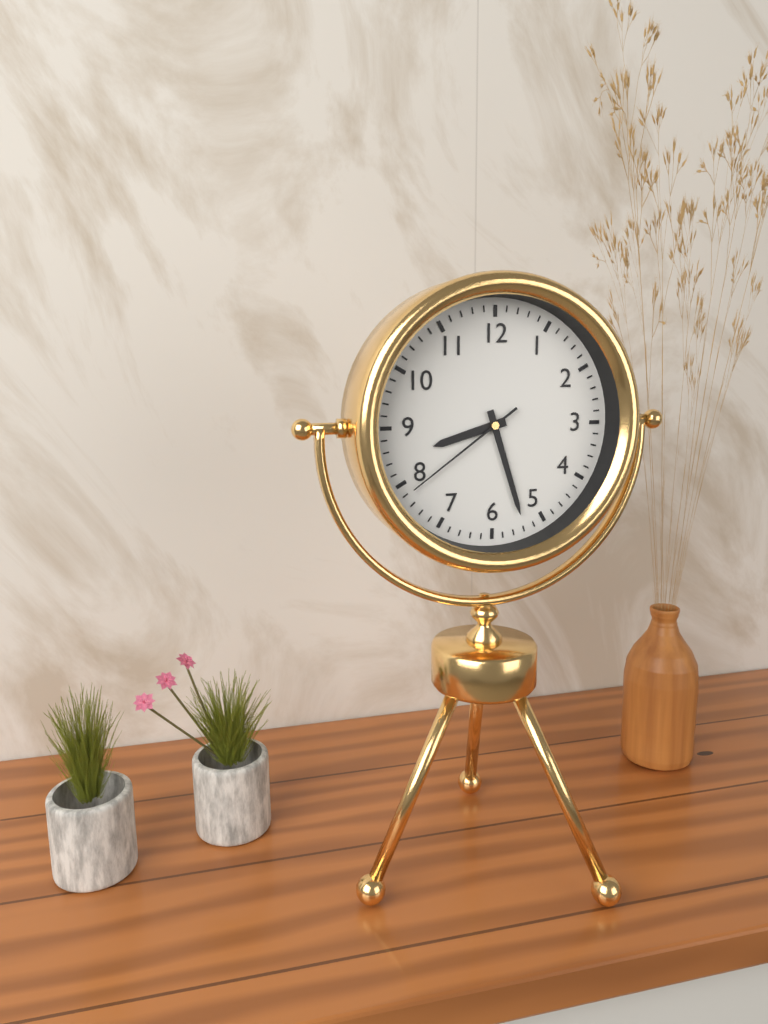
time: 8.27.39
